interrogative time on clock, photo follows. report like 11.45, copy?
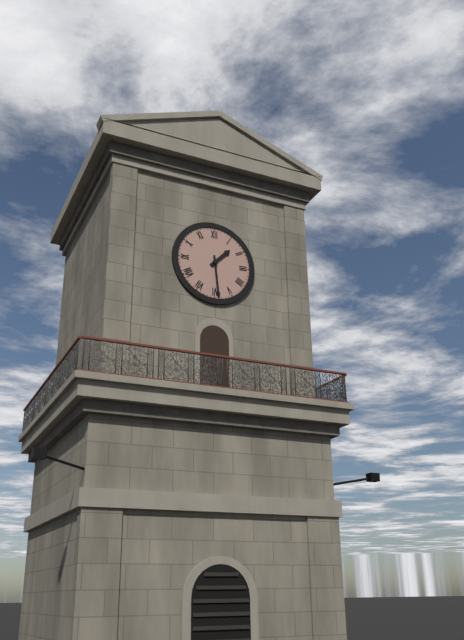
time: 1.29
